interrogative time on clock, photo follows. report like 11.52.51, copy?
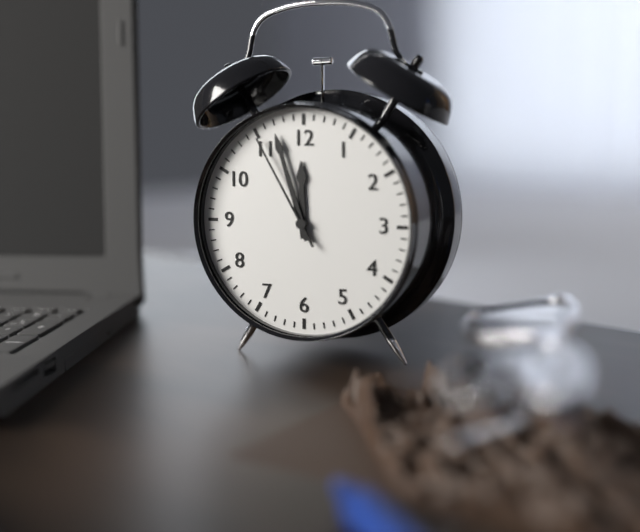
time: 11.57.55
